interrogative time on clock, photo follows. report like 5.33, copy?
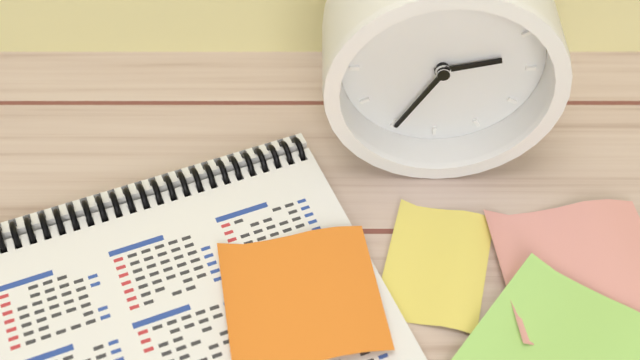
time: 2.35
